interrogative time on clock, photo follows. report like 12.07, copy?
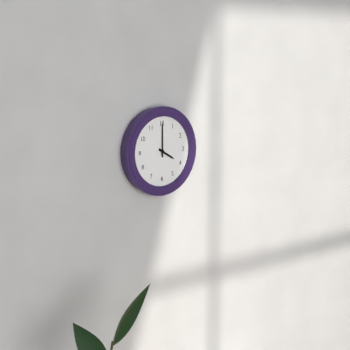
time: 4.00
